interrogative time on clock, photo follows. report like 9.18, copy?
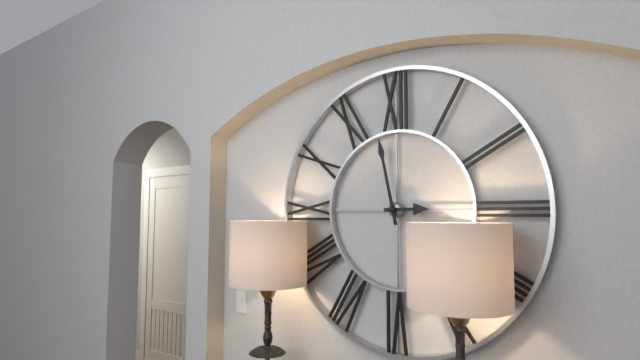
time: 2.58
